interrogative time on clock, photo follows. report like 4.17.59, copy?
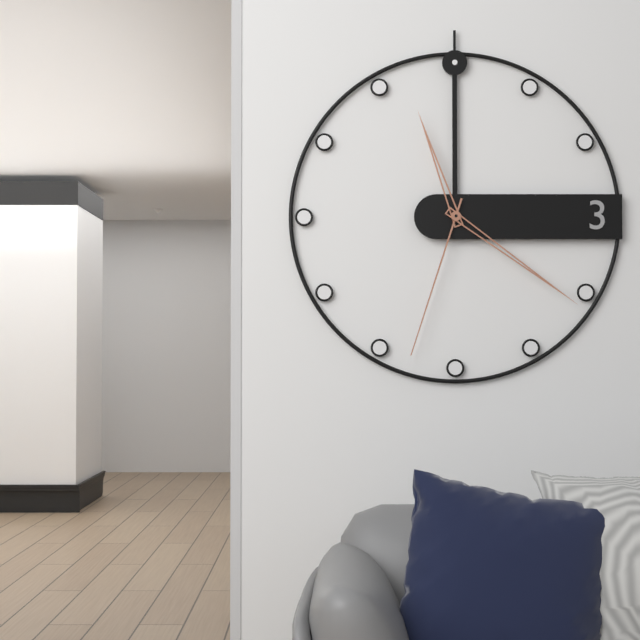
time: 11.21.33
